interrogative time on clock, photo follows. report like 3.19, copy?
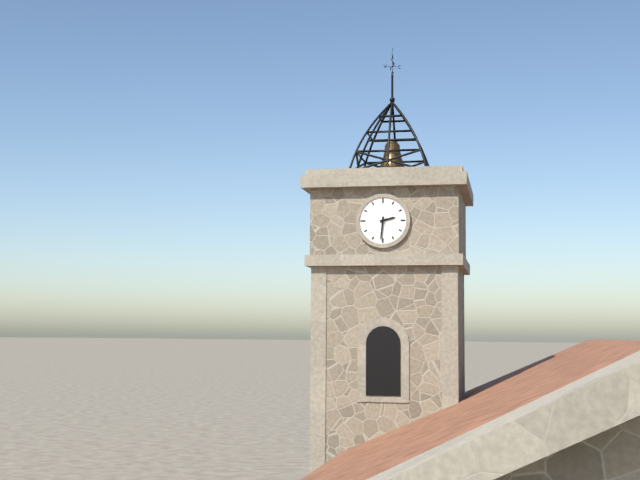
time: 2.31
